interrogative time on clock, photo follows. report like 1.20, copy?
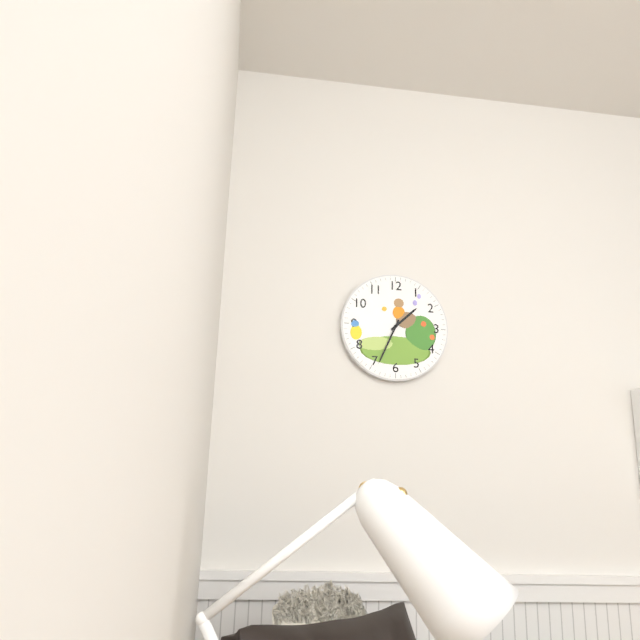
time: 1.34
